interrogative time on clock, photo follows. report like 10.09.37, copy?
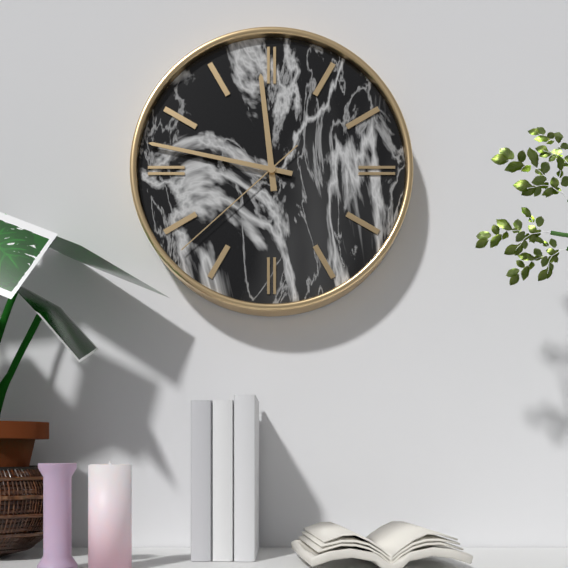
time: 11.47.38
